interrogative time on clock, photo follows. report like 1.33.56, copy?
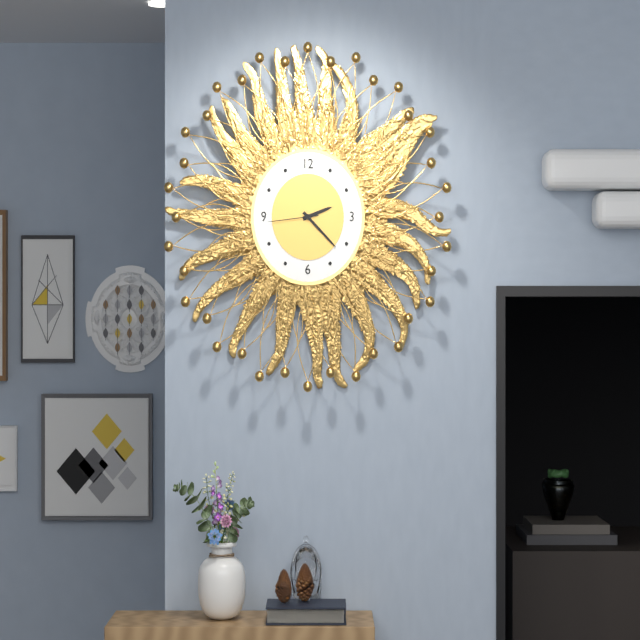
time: 2.22.44
